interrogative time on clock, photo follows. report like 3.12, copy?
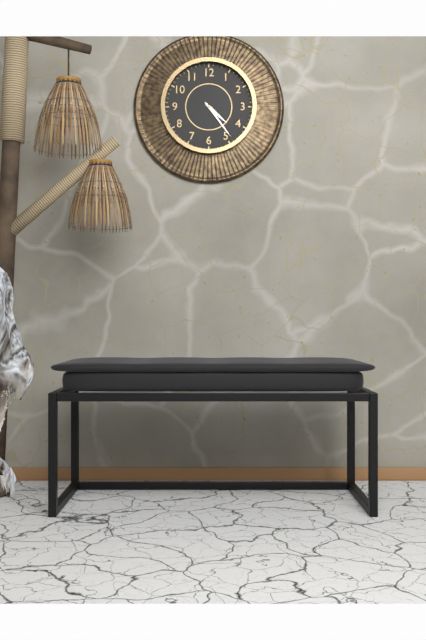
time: 4.24
